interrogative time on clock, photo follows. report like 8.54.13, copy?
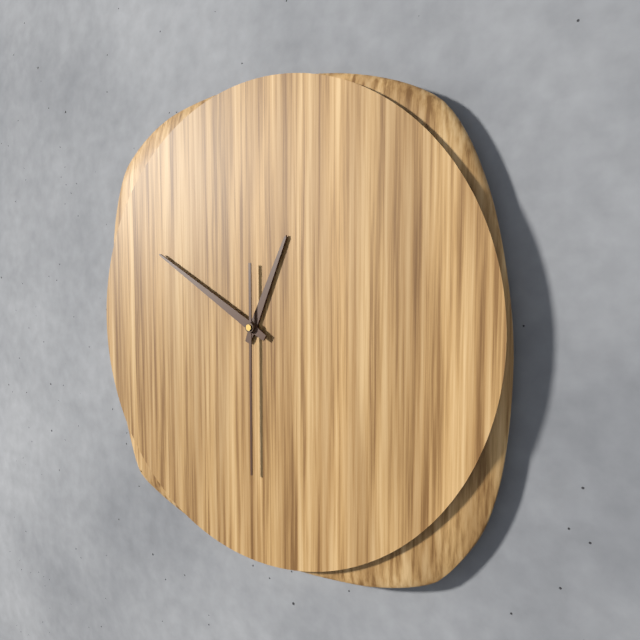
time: 12.50.30
